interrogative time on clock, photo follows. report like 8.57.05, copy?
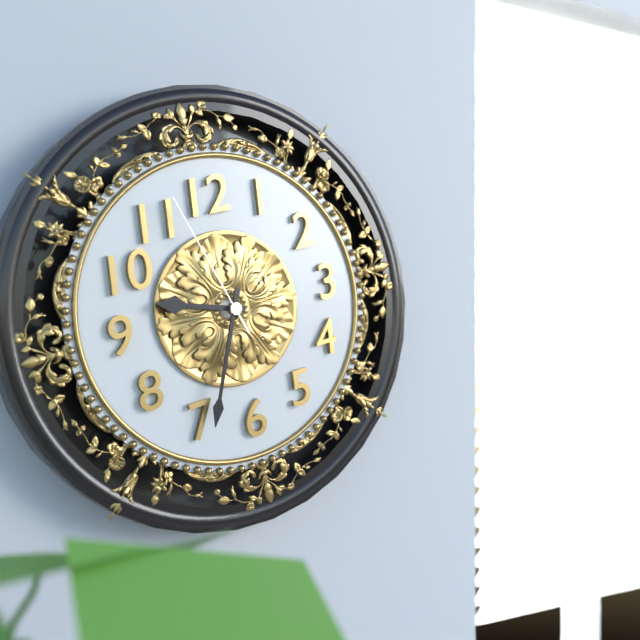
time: 9.34.57
